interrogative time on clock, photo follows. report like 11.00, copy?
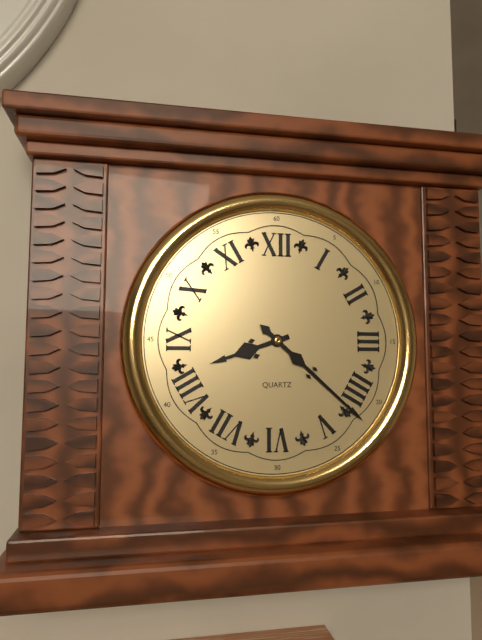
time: 8.22
